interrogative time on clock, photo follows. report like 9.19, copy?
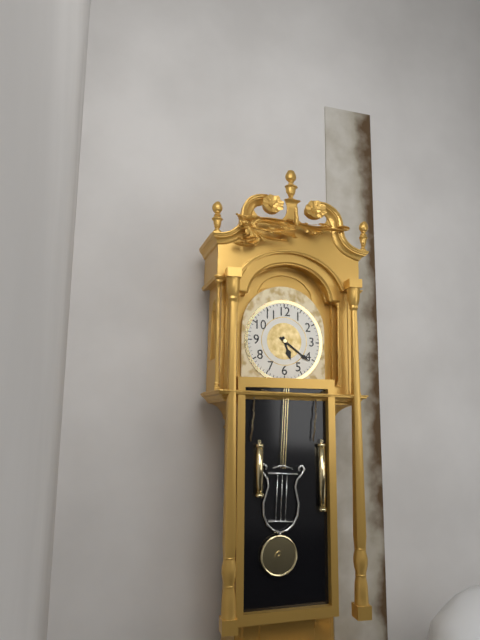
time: 5.21
